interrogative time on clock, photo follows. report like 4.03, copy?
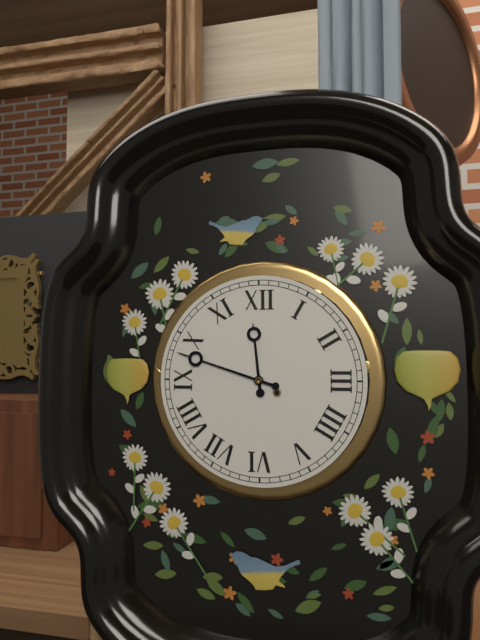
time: 11.48
